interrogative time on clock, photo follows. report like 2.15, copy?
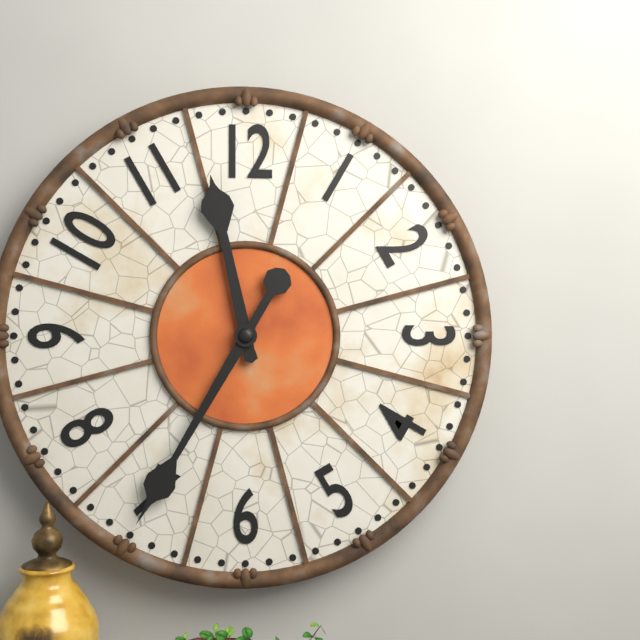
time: 11.35
